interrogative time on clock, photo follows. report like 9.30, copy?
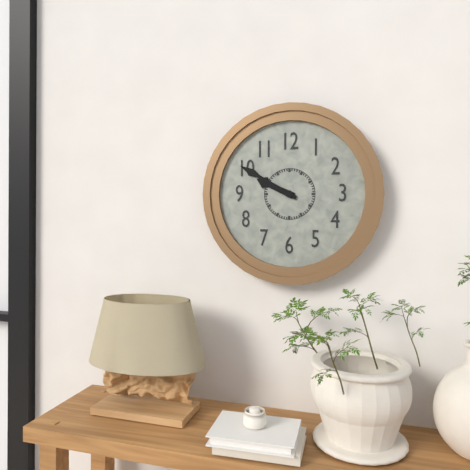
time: 9.50
